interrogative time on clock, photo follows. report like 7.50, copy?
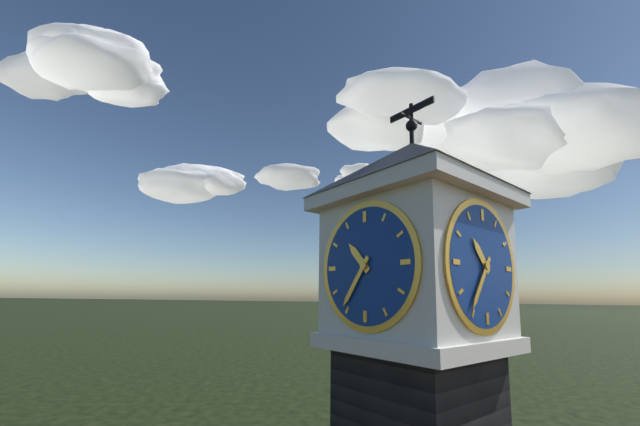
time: 10.36
